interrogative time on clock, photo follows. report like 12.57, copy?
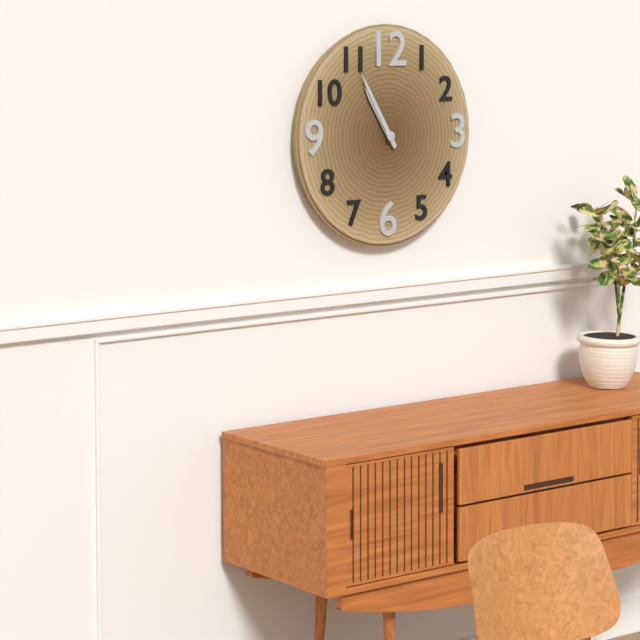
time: 10.55
